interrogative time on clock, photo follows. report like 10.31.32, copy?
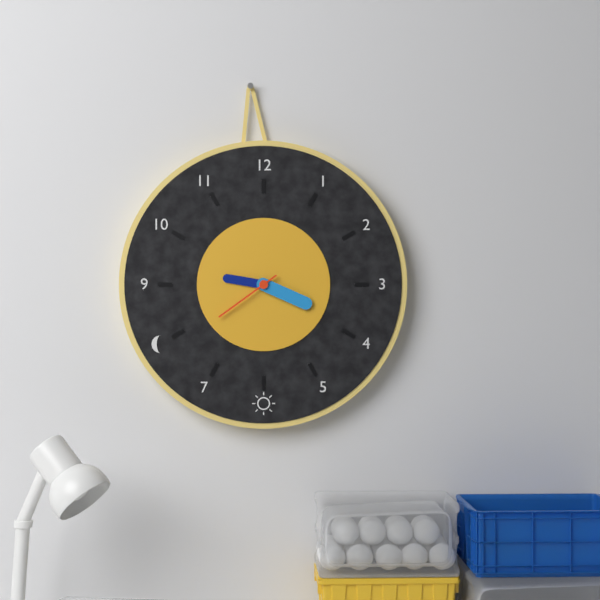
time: 9.19.39
